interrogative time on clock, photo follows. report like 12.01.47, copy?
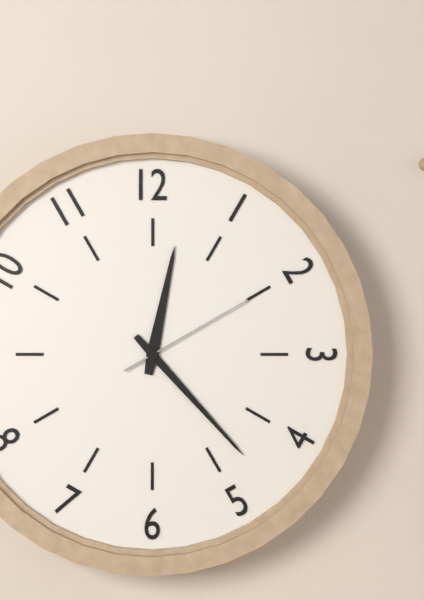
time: 12.23.10
